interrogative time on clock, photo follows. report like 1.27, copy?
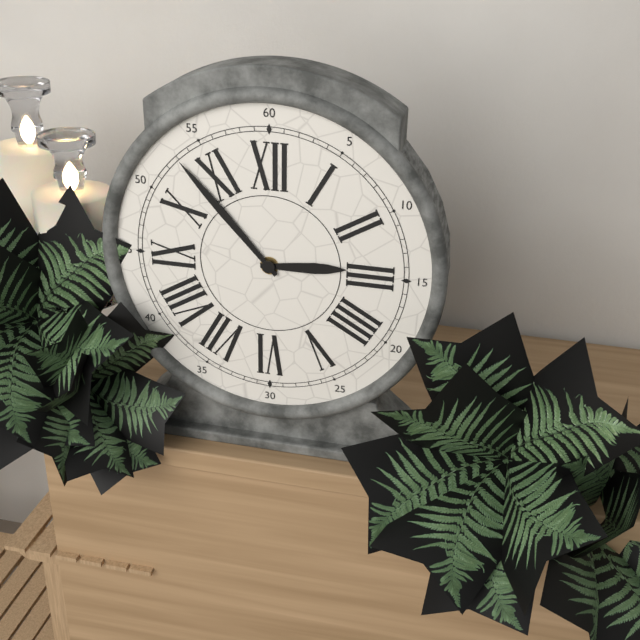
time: 2.53
